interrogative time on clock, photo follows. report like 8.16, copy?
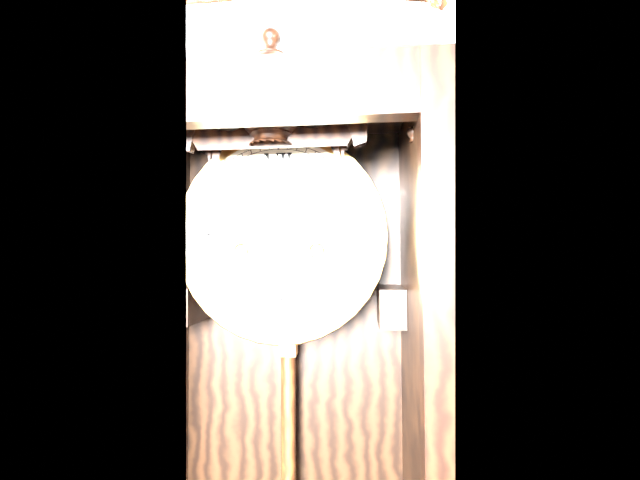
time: 7.38
